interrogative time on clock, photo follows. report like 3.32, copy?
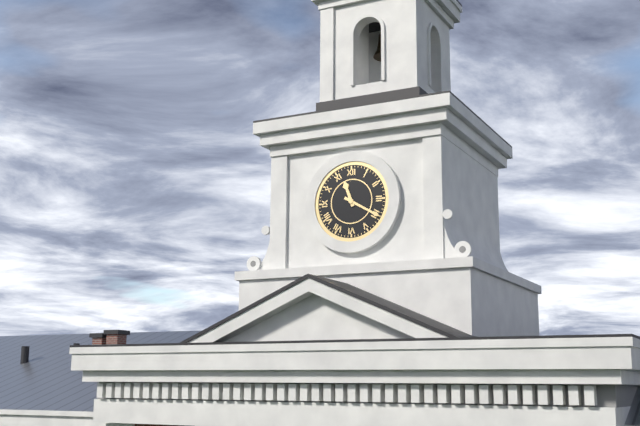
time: 11.20
